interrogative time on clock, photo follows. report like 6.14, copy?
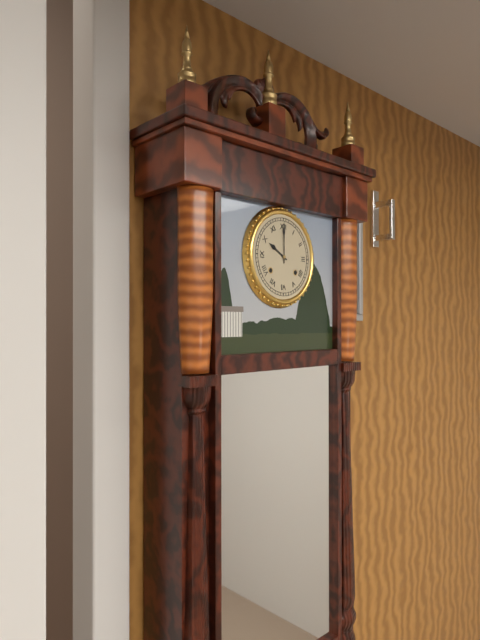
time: 10.00
